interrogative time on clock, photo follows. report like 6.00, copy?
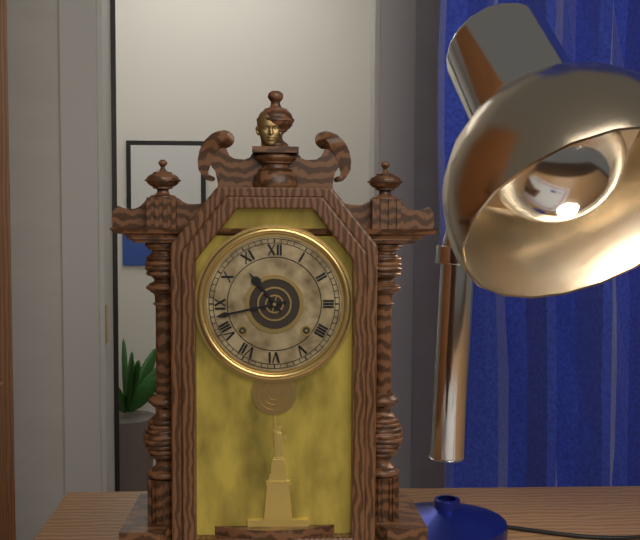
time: 10.43
